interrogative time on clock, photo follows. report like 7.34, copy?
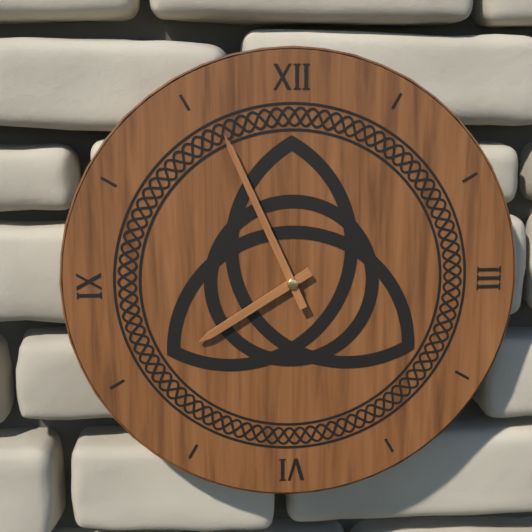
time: 7.56
